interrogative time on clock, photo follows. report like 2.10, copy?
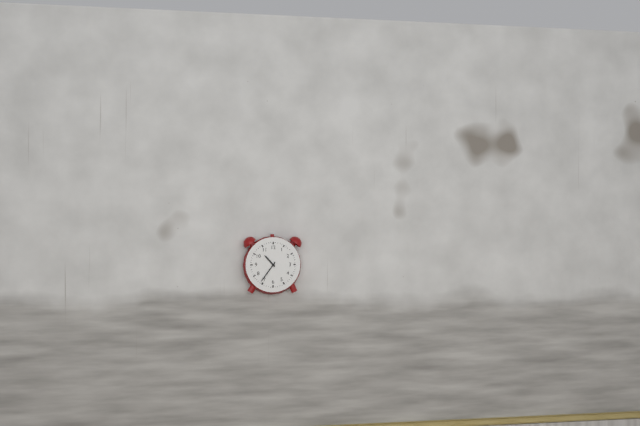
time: 10.36
